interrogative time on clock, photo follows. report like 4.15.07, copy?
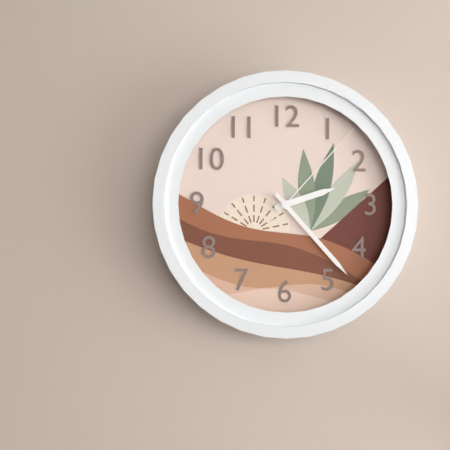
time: 2.23.07
